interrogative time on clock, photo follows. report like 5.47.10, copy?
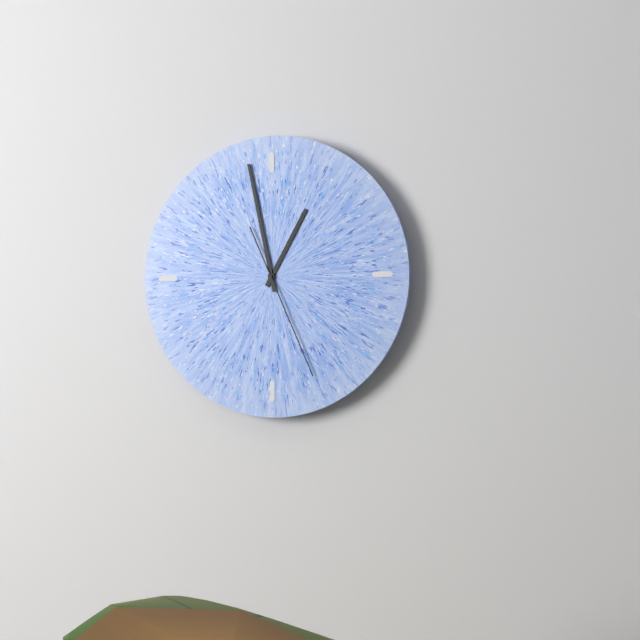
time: 12.58.26
